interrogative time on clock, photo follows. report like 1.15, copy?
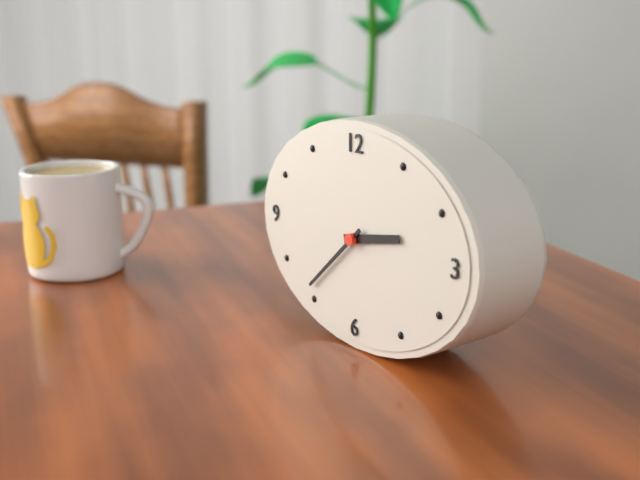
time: 2.38
